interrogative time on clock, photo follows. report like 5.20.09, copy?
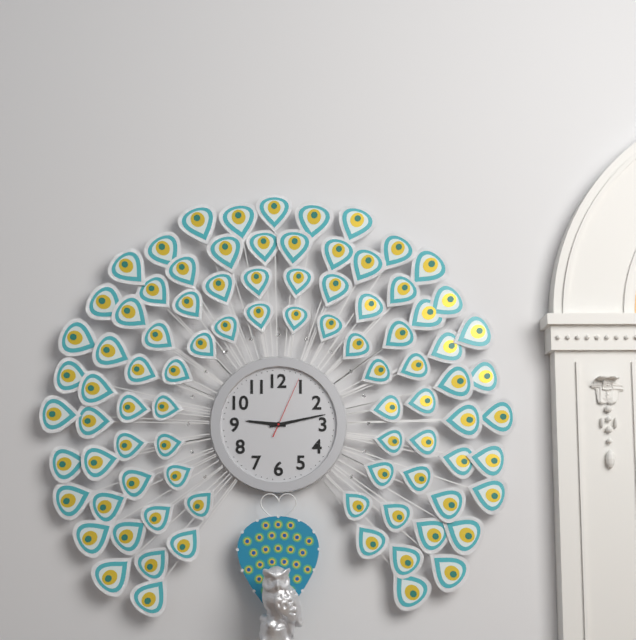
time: 9.13.04
